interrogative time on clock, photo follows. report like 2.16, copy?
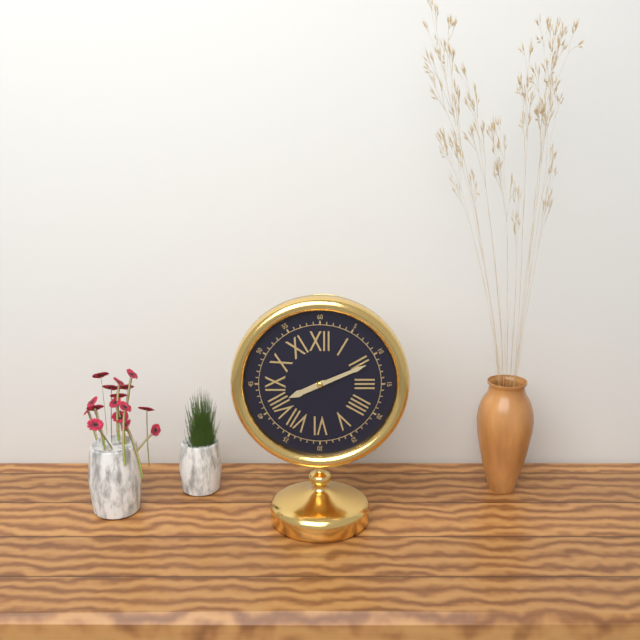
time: 8.11
